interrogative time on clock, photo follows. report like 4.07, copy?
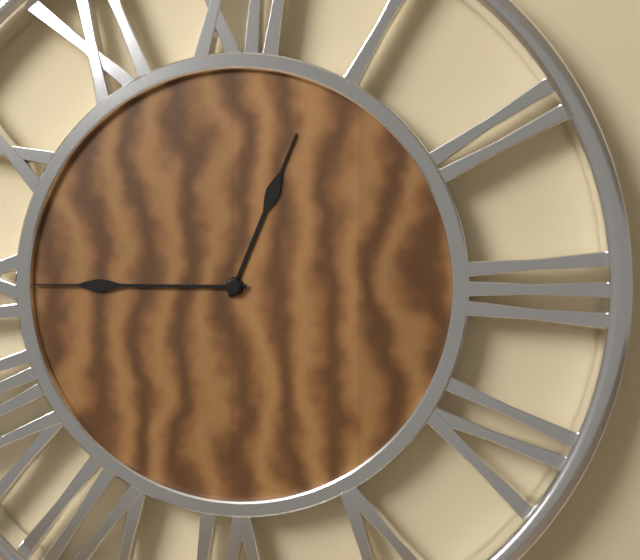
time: 12.45
